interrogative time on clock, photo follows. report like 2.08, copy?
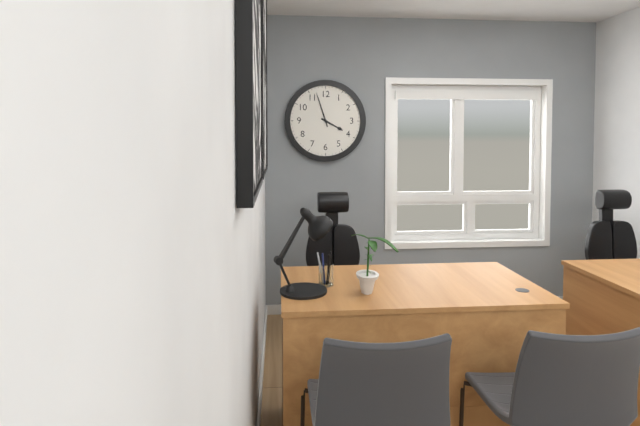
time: 3.57
